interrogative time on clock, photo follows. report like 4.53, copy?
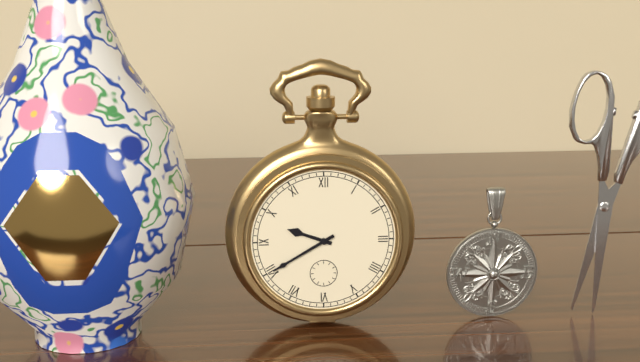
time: 9.40
